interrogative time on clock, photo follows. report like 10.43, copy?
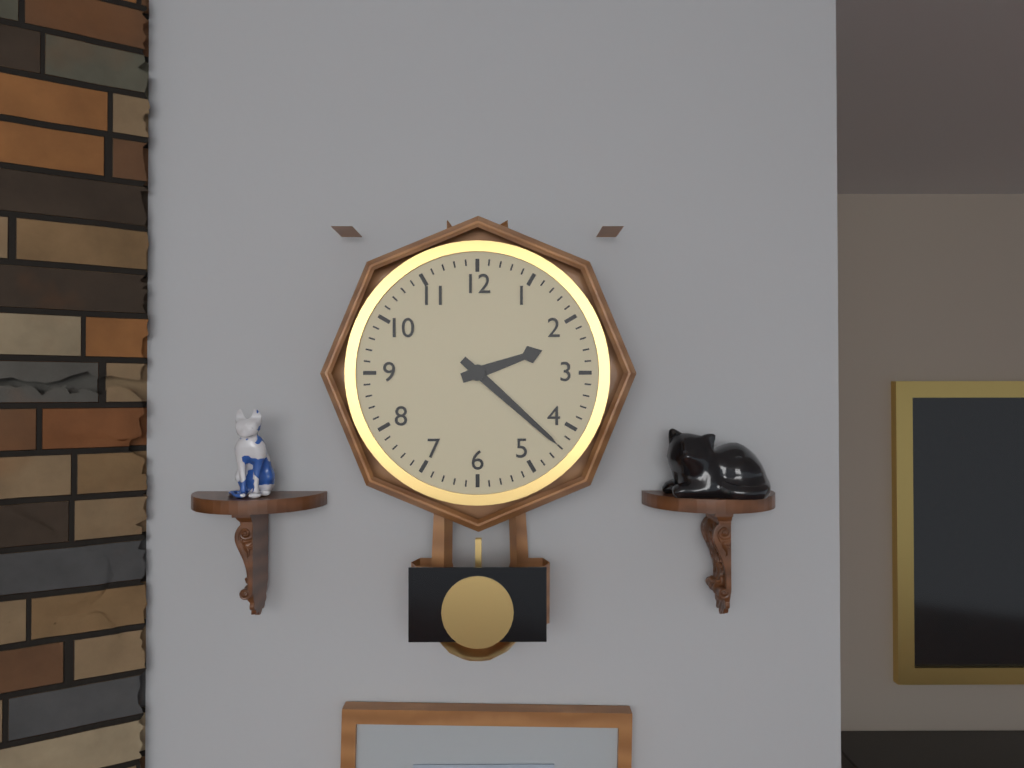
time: 2.22
